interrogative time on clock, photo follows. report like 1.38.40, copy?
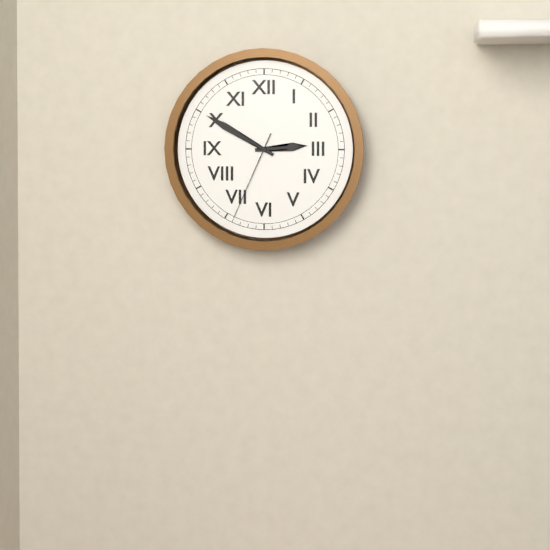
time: 2.50.34
